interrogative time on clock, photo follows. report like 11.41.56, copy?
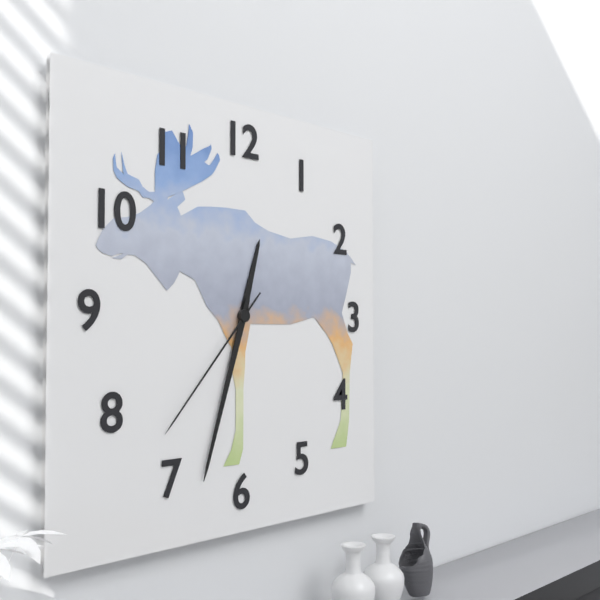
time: 12.33.37
